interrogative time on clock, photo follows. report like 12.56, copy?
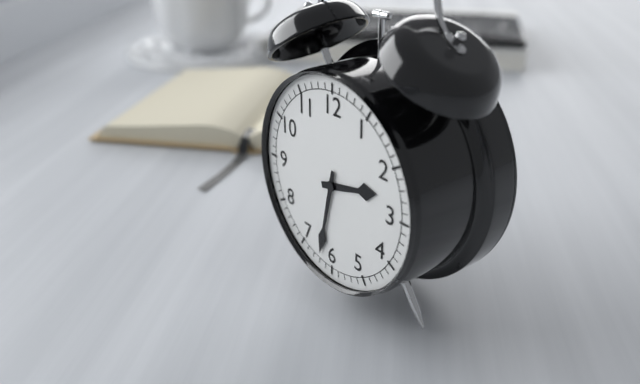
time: 2.32
